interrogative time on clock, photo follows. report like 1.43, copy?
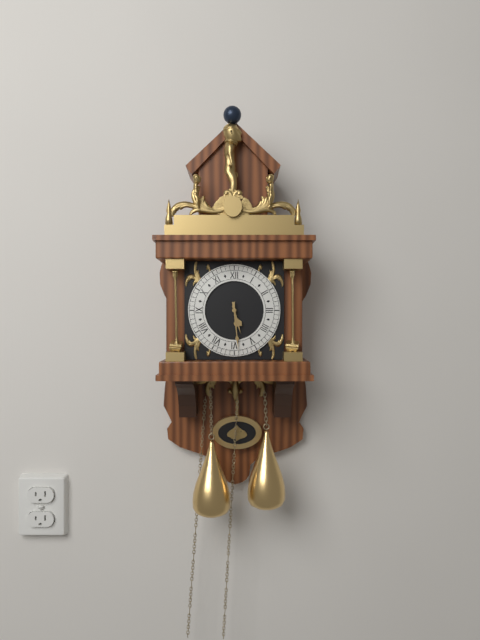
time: 5.29
